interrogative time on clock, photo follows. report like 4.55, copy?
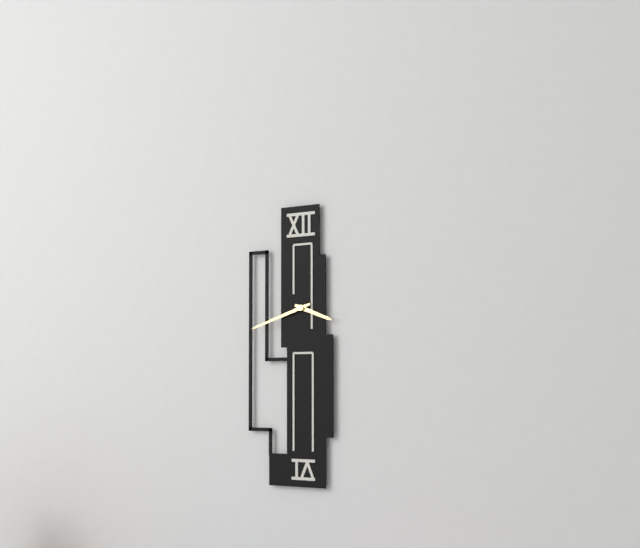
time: 3.42
